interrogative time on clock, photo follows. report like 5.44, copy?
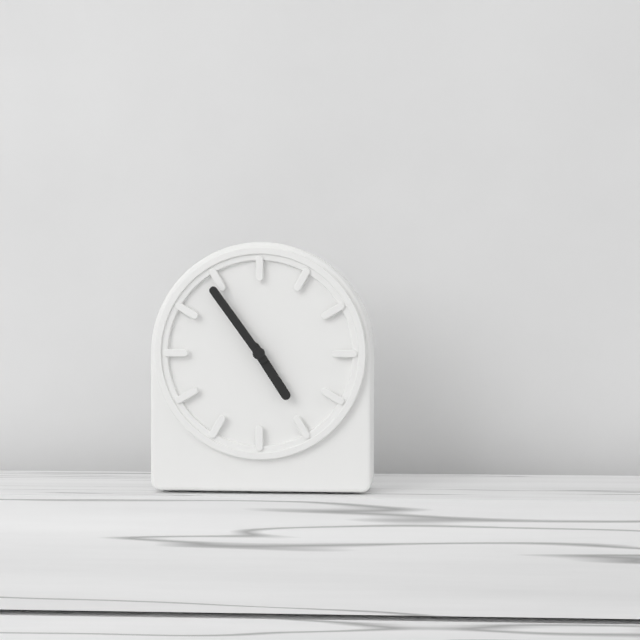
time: 4.54
